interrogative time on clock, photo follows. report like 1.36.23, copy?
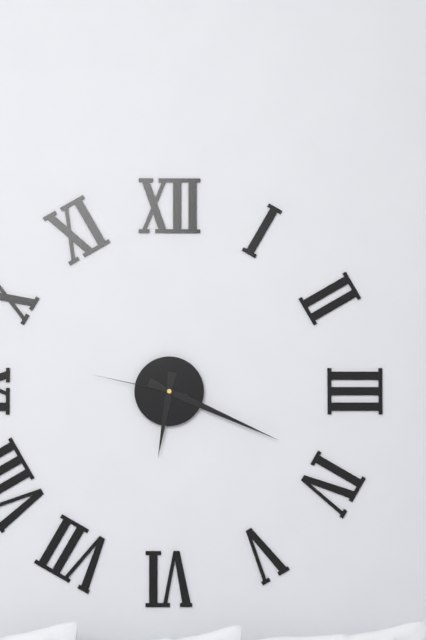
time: 6.19.47
